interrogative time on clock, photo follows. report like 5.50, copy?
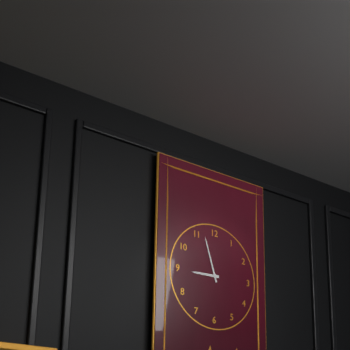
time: 8.57
